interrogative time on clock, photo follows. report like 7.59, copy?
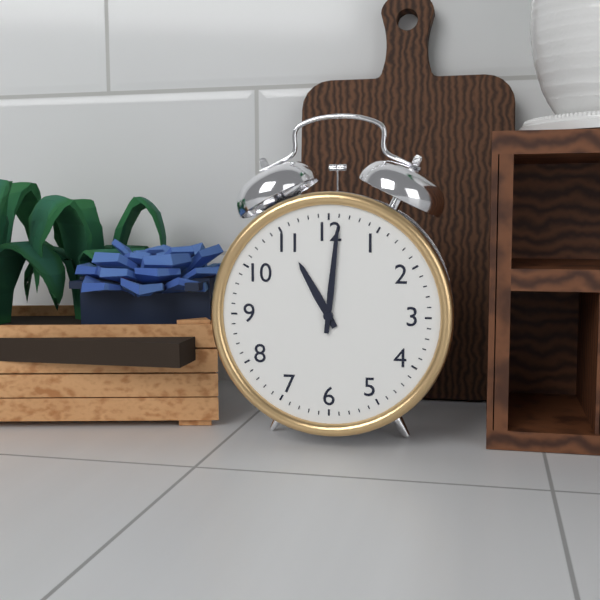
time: 11.01
